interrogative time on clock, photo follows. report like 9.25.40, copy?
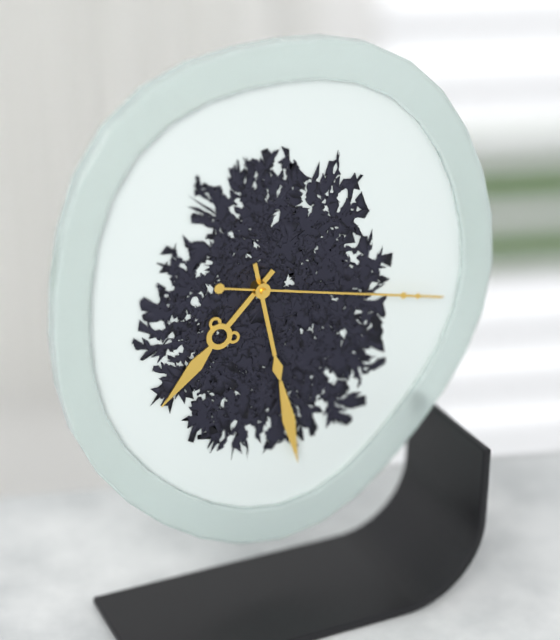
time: 7.28.17
